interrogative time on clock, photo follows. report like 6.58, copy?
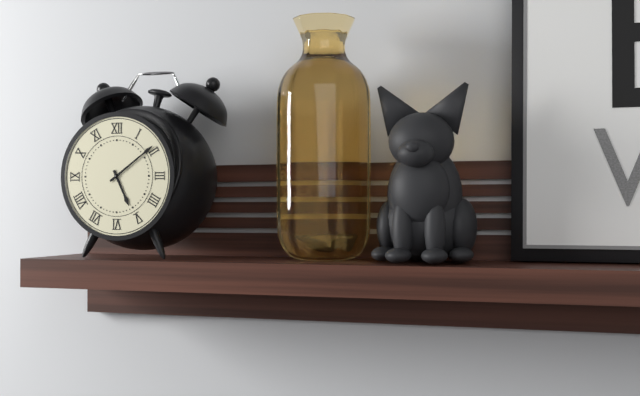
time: 5.09
